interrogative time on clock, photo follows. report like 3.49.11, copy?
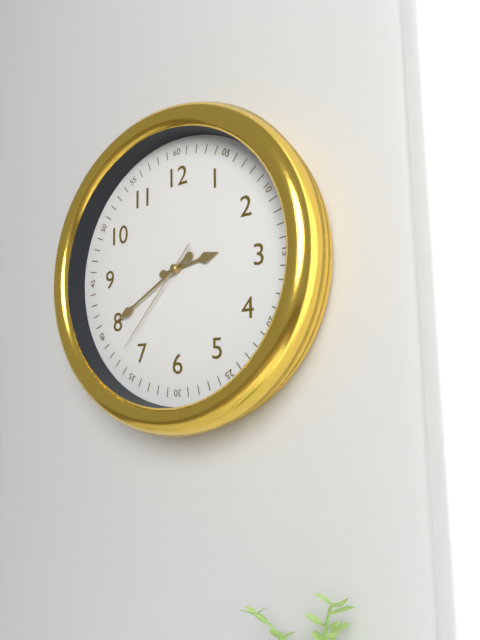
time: 2.40.37
